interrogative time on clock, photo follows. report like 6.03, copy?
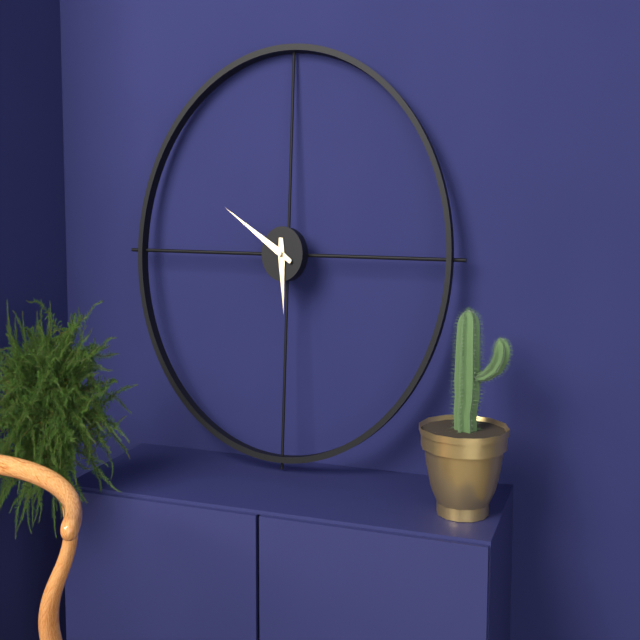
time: 5.50
